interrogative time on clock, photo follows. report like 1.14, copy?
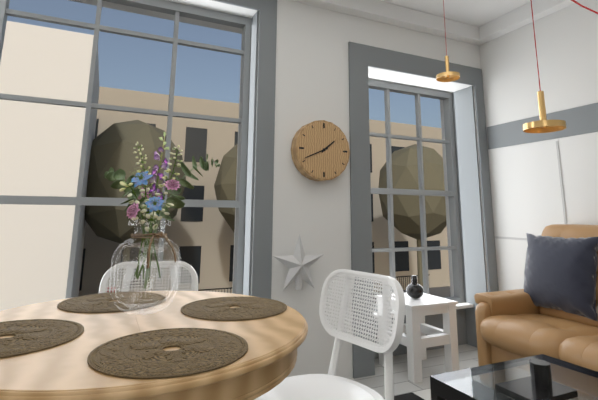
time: 1.41
